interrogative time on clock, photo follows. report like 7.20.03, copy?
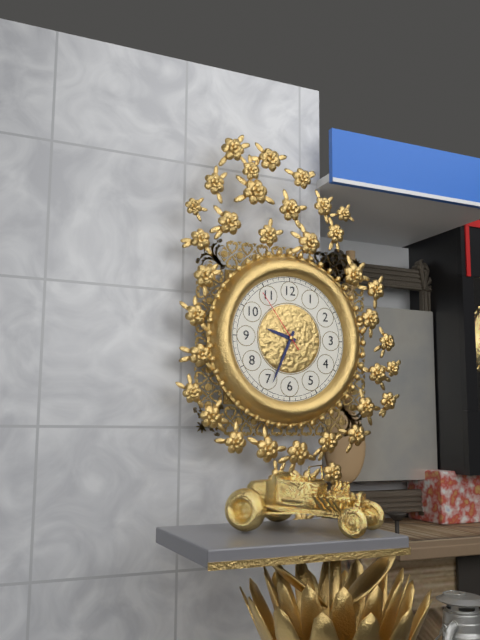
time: 9.34.54
